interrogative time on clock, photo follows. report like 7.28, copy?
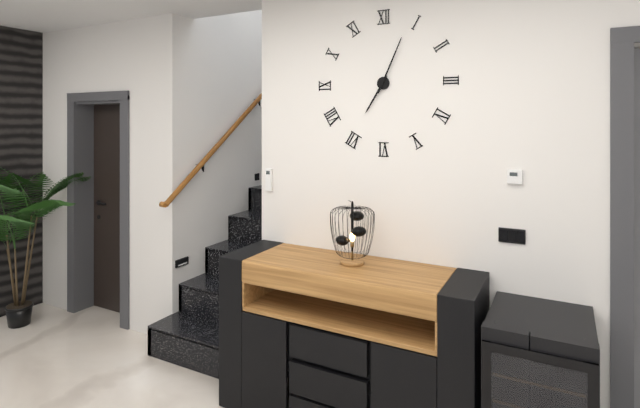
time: 7.04
